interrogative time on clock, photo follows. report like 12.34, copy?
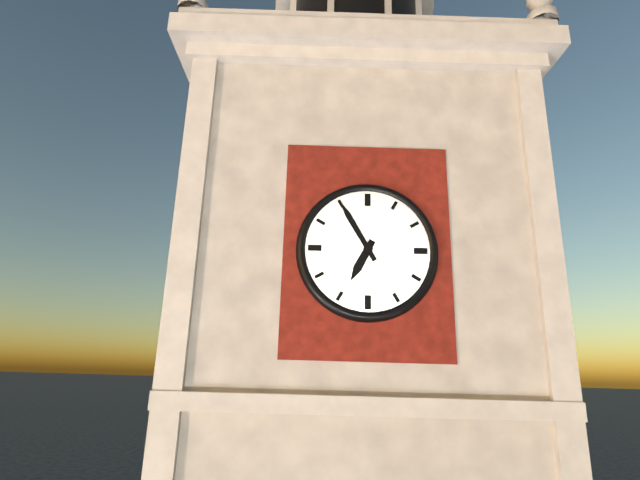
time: 6.55
